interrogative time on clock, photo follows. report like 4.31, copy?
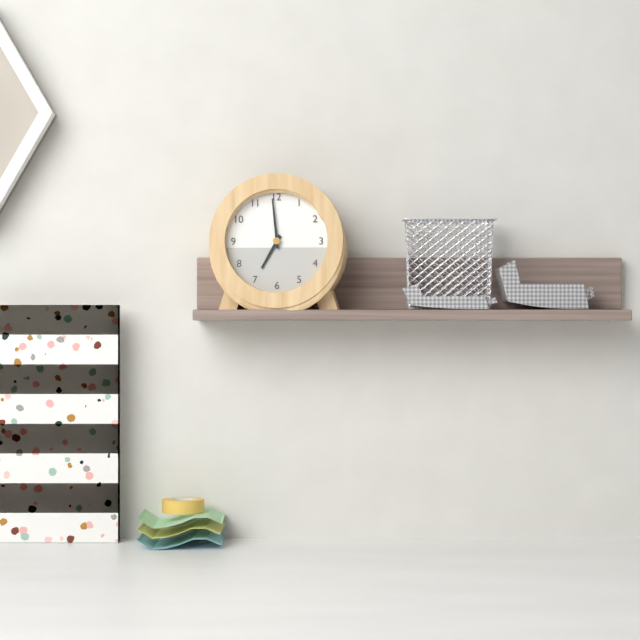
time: 6.59
